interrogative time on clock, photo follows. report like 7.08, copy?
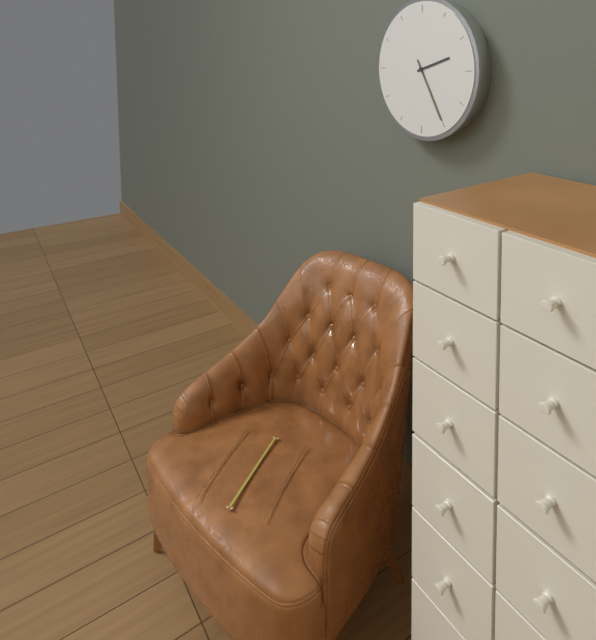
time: 2.25
